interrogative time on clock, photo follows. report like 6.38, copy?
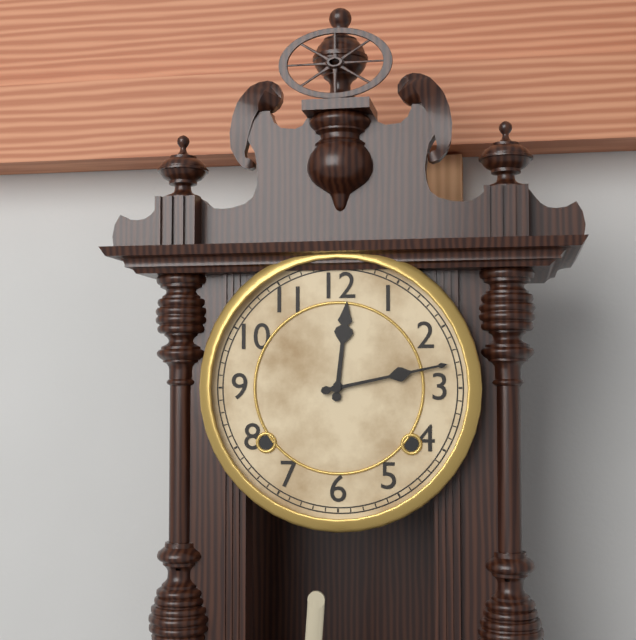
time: 12.13
